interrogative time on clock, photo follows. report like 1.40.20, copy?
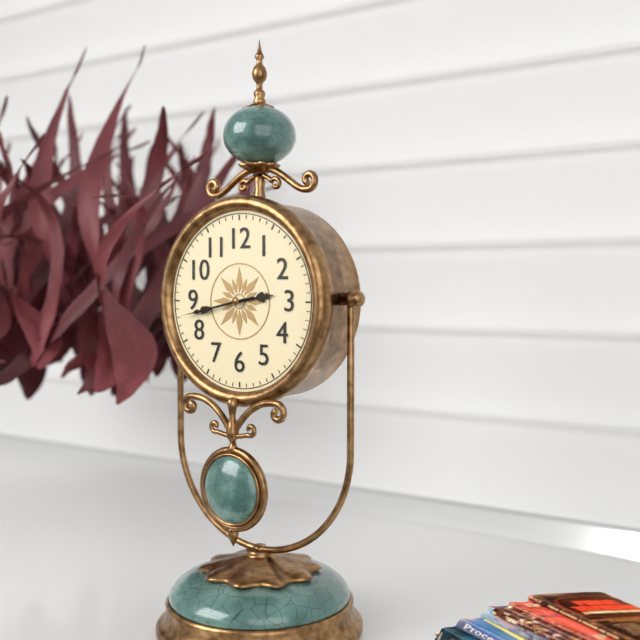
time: 2.43.43
